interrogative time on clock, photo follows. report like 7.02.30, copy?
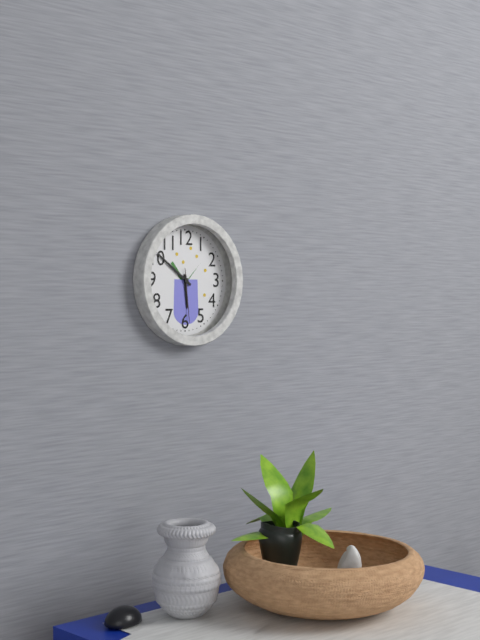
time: 5.51.29
